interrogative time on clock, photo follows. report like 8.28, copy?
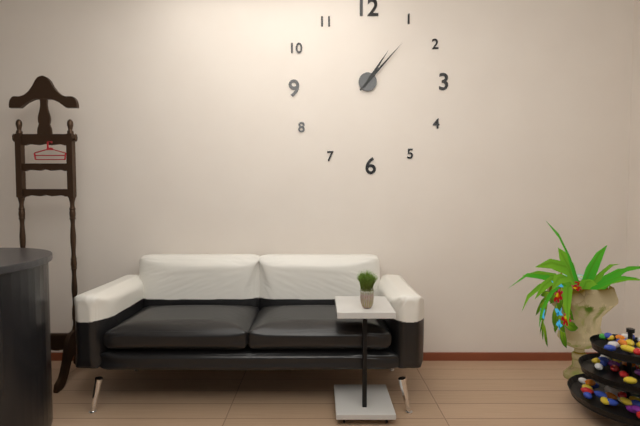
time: 1.07
